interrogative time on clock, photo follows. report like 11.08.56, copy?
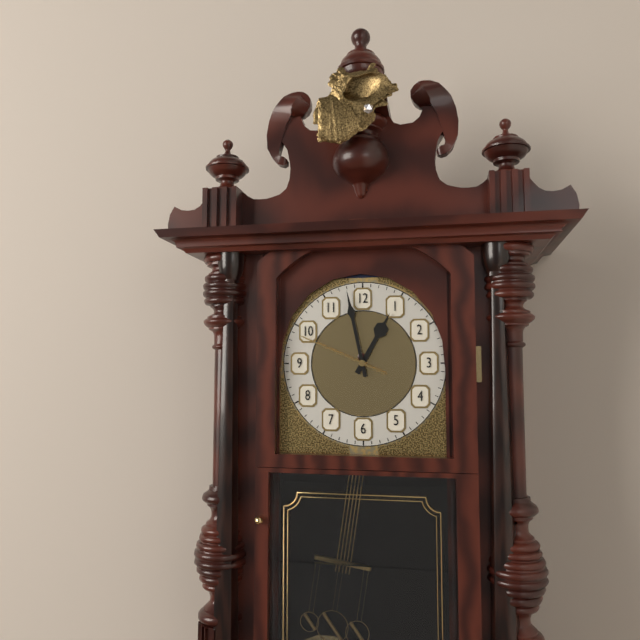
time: 12.58.49
